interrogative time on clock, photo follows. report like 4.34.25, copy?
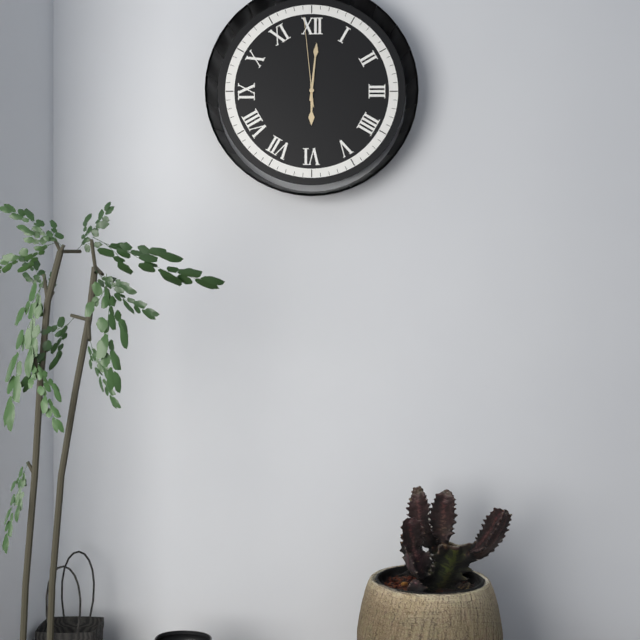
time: 6.01.59
